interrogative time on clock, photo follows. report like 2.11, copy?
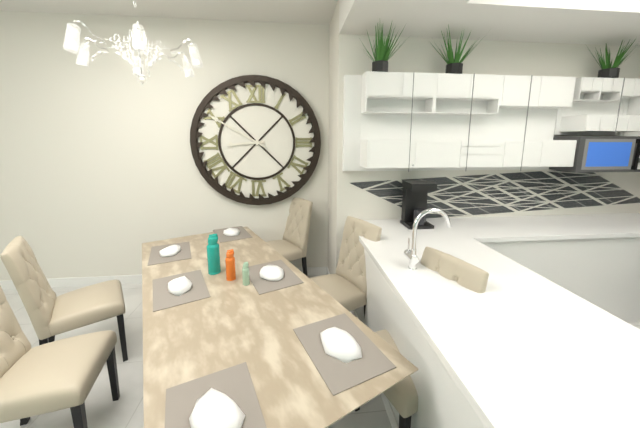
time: 8.50
